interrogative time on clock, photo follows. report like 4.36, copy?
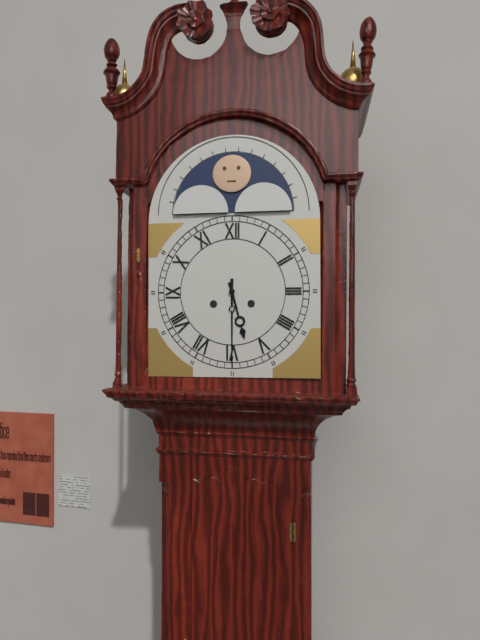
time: 5.30
